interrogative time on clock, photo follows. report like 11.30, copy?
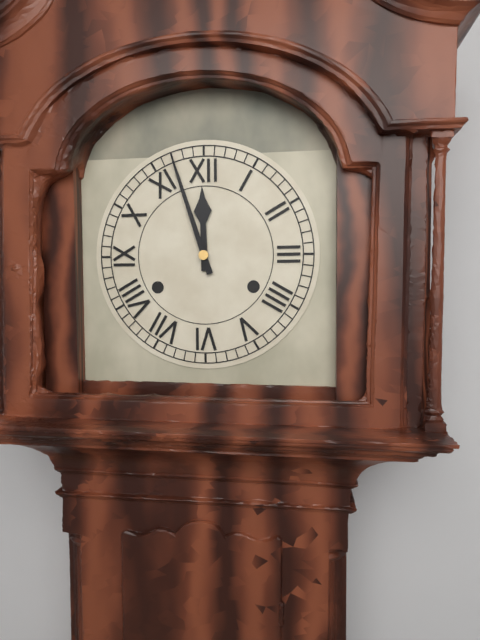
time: 11.57
